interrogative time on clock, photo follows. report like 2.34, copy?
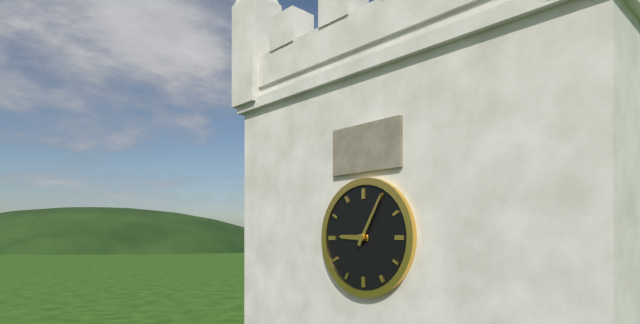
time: 9.05
